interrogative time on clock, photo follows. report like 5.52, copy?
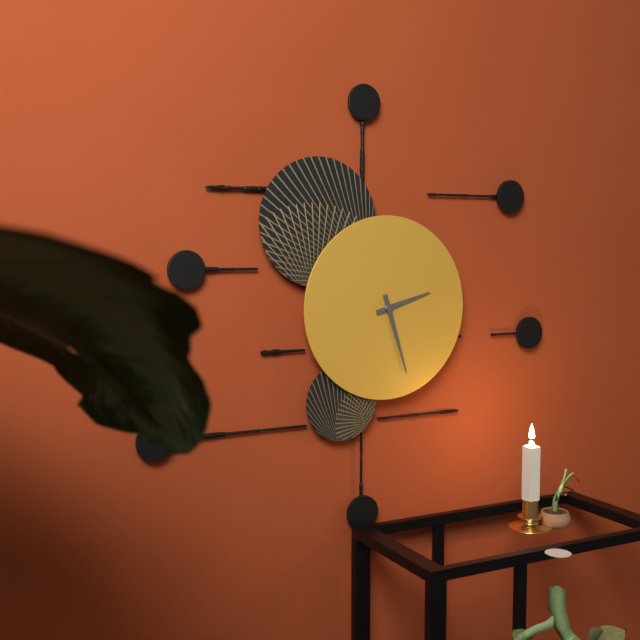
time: 2.27
